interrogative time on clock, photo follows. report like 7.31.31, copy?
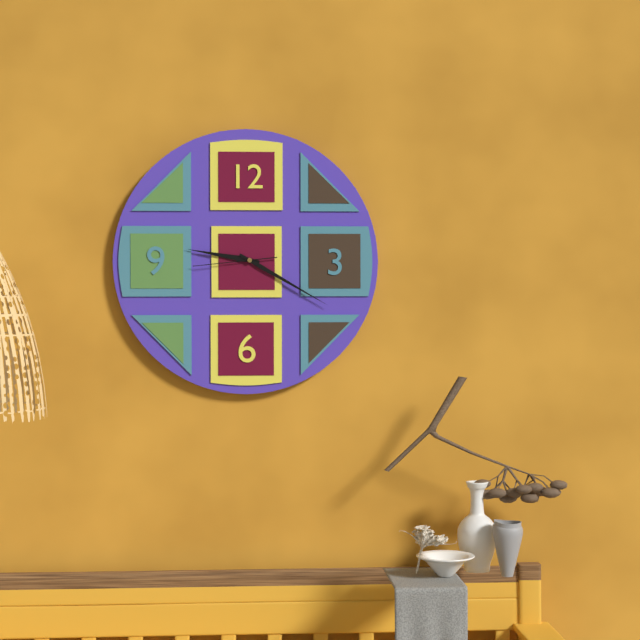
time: 9.20.44
